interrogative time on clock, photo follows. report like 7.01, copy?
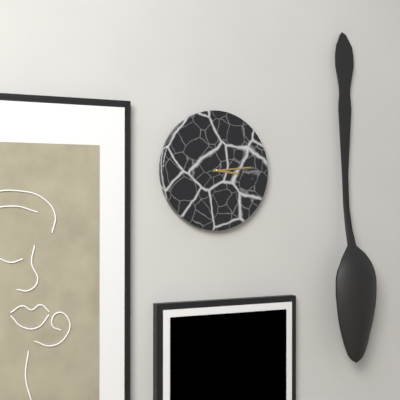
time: 3.14
